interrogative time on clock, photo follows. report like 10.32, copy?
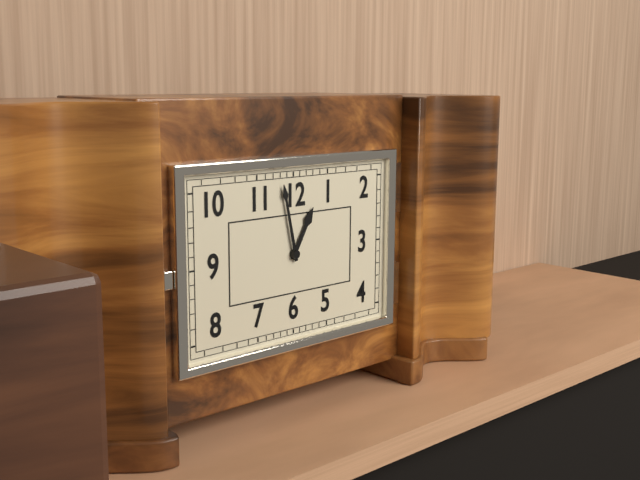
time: 12.58
